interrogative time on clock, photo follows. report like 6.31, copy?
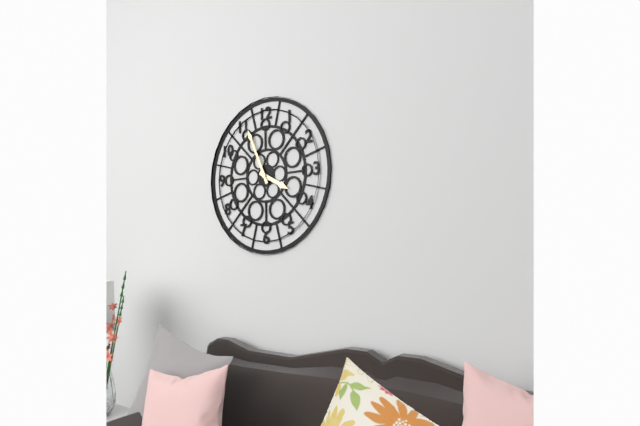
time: 3.56
